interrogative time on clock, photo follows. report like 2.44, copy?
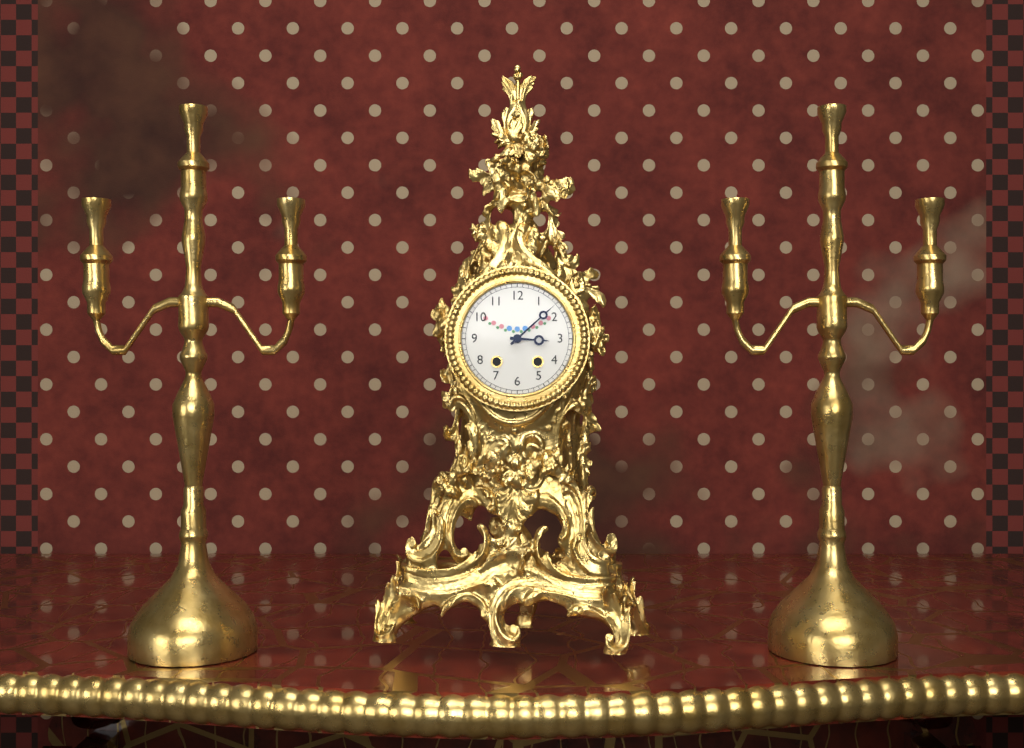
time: 3.08
